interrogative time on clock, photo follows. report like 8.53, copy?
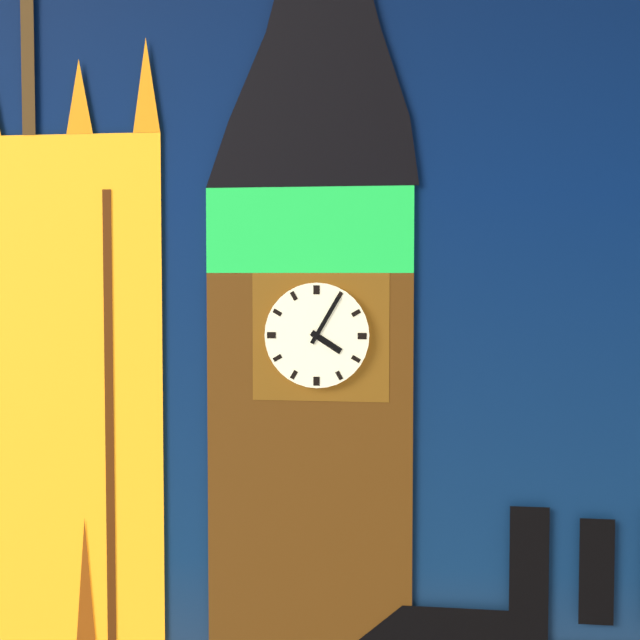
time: 4.05
